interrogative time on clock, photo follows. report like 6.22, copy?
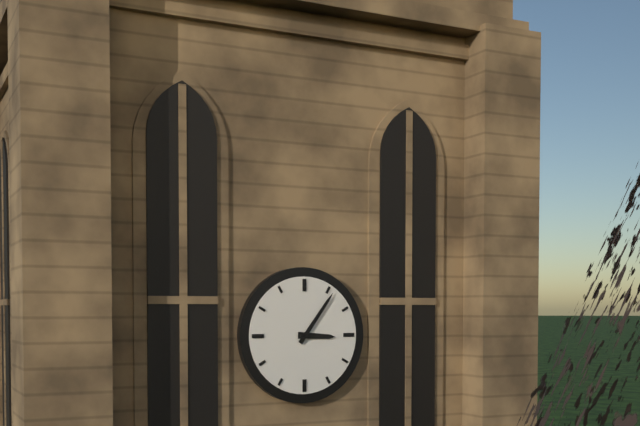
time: 3.06
